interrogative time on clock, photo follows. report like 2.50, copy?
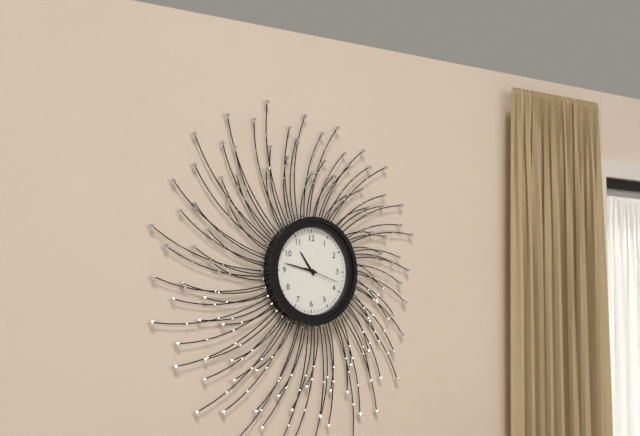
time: 10.47
